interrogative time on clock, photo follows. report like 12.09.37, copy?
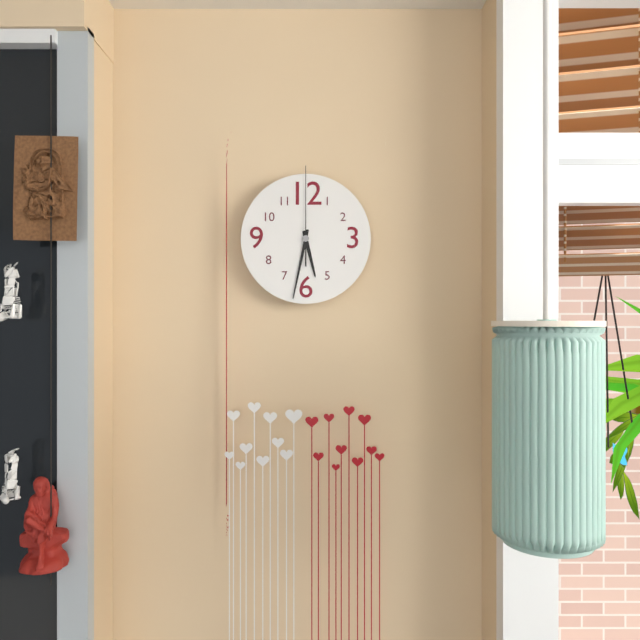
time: 5.32.00
